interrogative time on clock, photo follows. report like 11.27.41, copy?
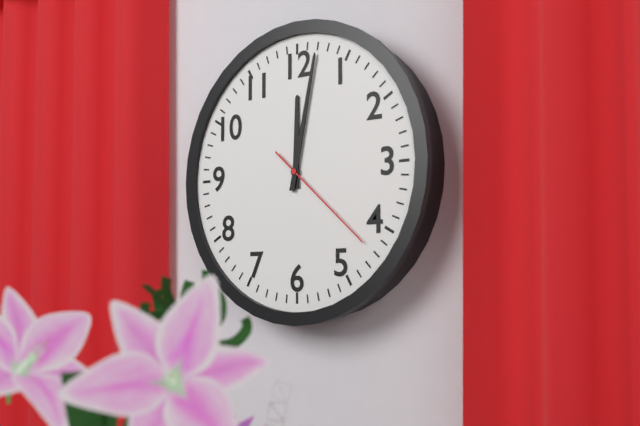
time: 12.02.22
